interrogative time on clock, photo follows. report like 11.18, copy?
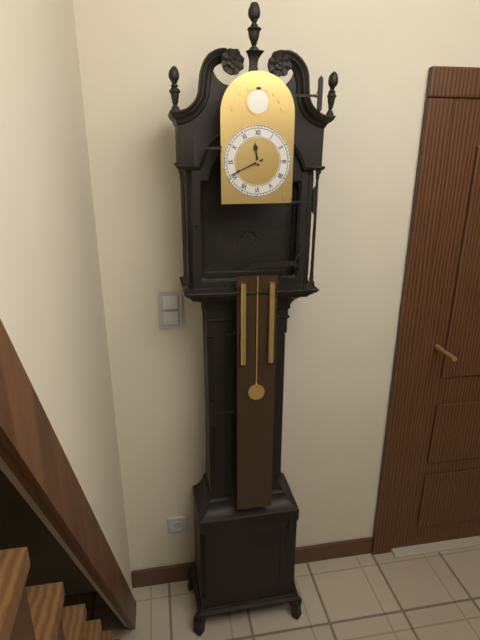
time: 11.41
